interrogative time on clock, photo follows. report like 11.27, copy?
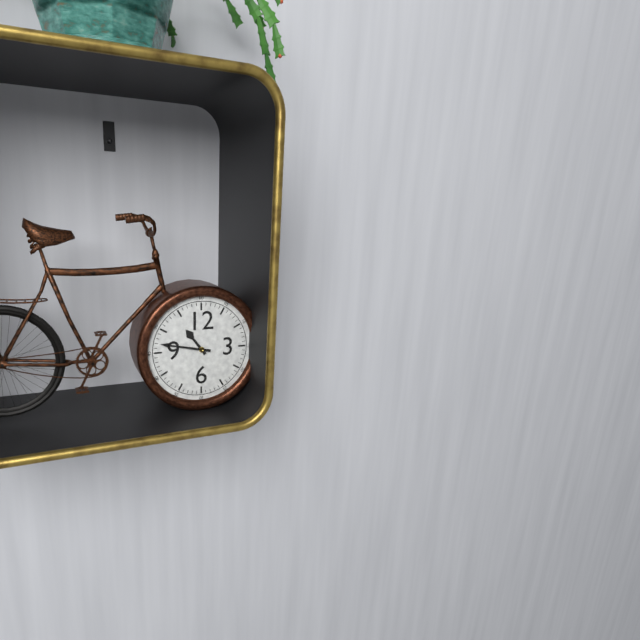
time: 10.47
